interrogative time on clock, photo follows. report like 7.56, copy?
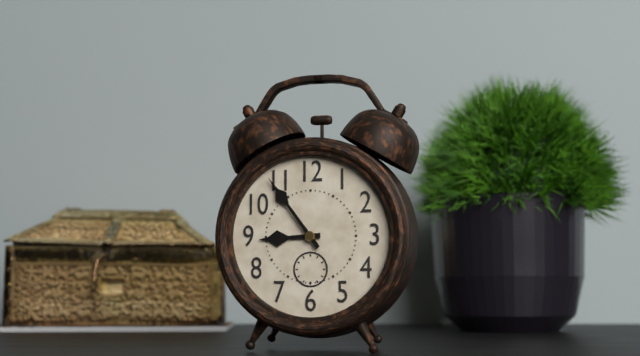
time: 8.54
